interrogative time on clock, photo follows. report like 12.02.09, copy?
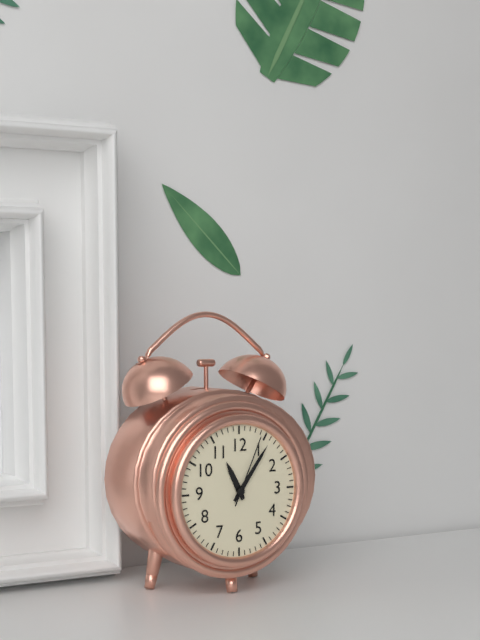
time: 11.06.04
